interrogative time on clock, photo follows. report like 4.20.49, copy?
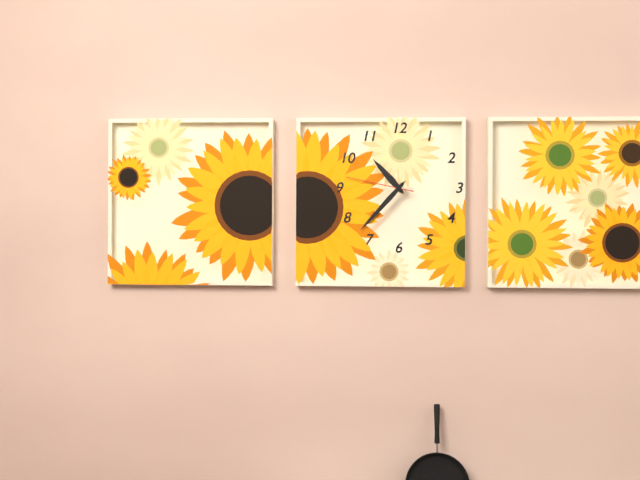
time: 10.37.47
